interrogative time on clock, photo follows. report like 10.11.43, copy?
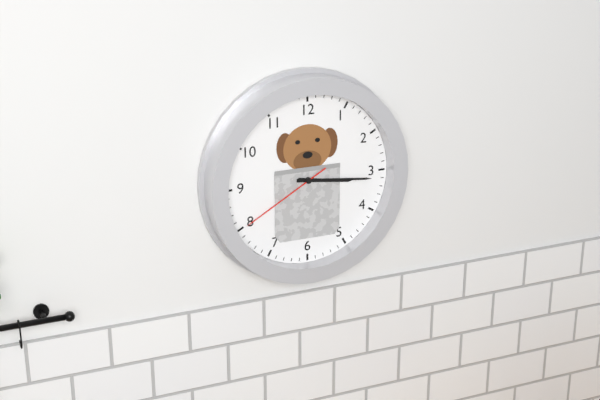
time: 3.16.40
